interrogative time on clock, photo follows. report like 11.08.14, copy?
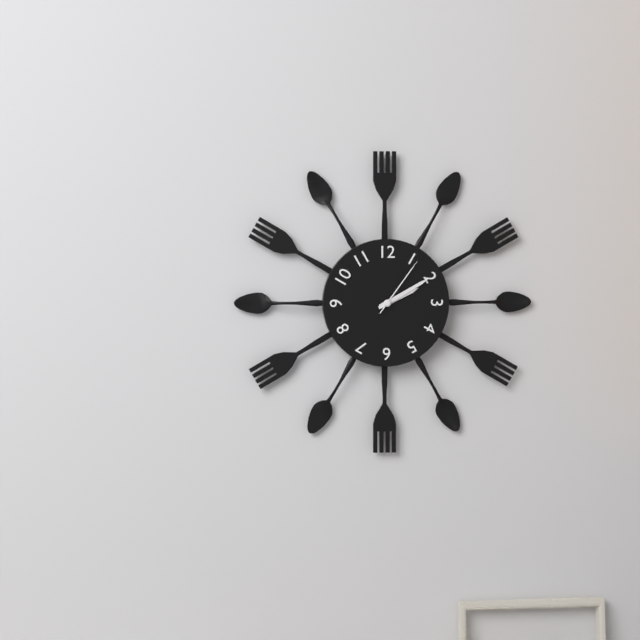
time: 2.10.06
